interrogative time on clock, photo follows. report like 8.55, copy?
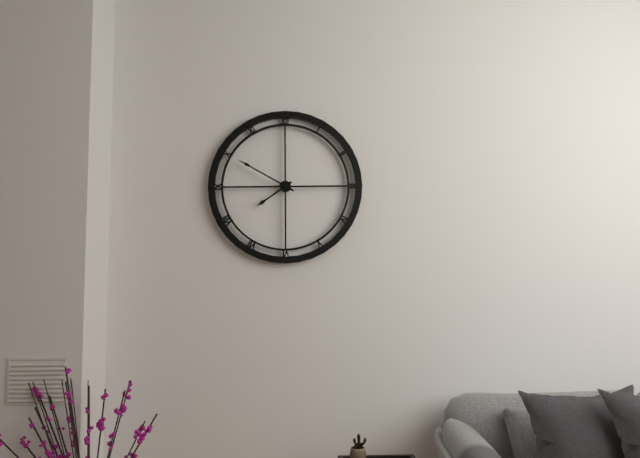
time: 7.50
